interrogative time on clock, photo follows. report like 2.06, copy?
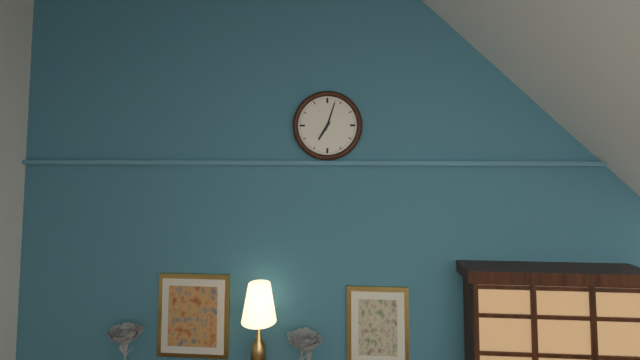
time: 7.03
